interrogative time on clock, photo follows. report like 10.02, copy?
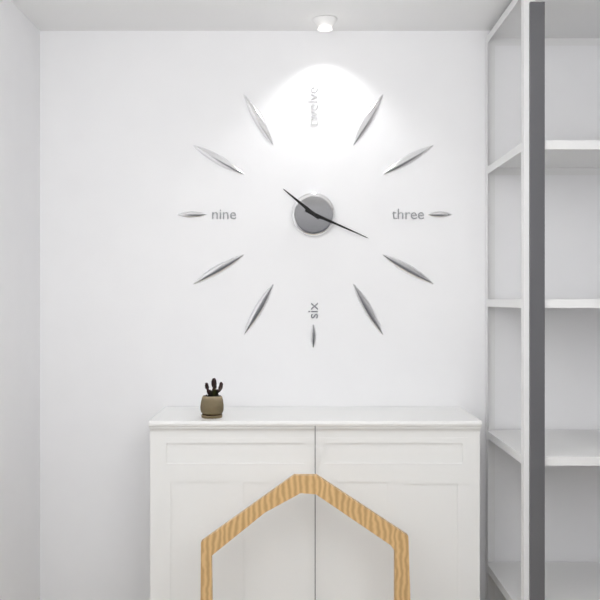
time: 10.19
